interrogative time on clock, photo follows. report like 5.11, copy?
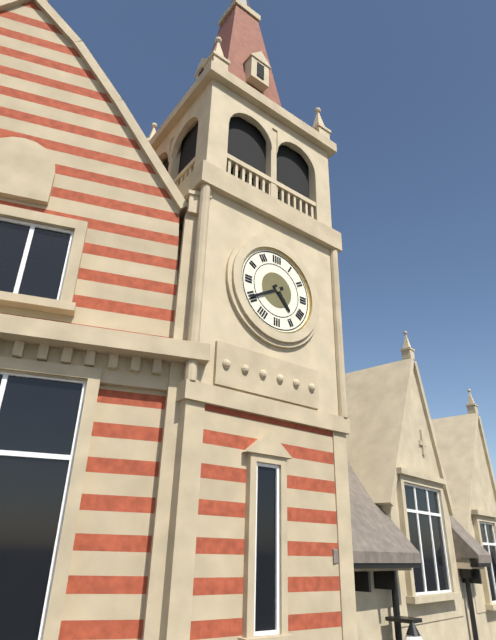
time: 4.40
